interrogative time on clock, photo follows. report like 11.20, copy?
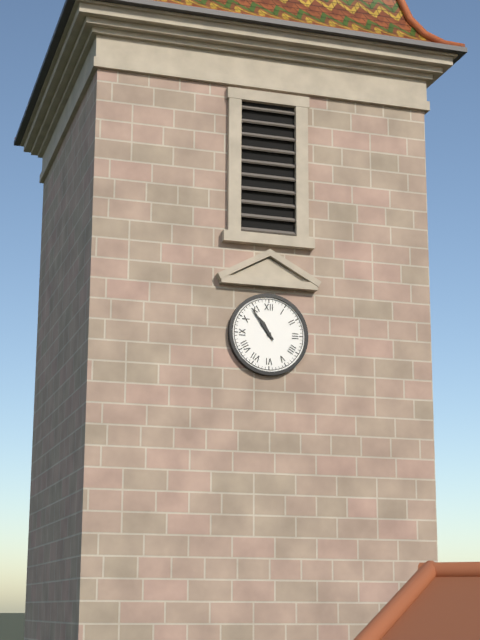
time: 10.54
